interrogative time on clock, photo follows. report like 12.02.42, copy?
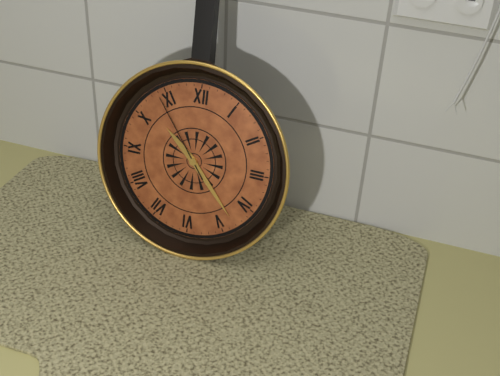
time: 10.23.54
